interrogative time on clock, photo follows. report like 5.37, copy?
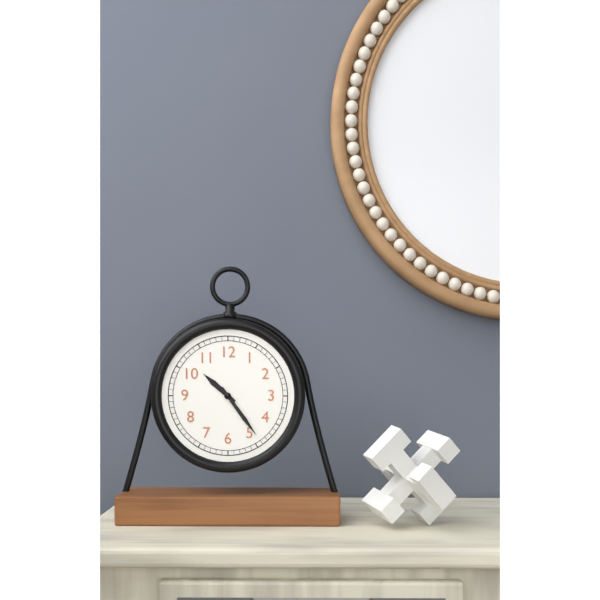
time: 10.24
